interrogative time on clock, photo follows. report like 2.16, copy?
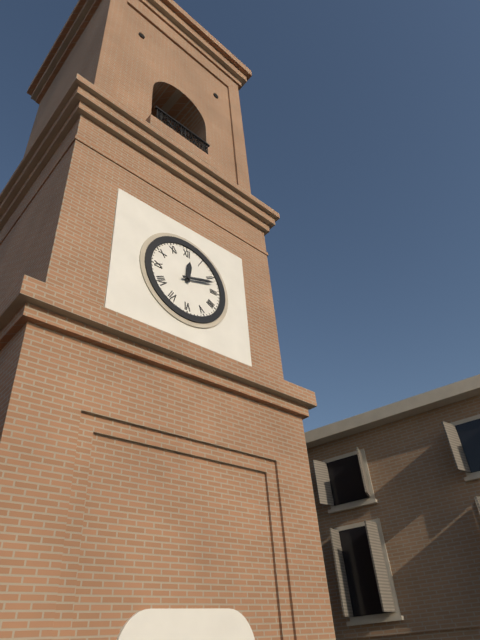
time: 12.12
